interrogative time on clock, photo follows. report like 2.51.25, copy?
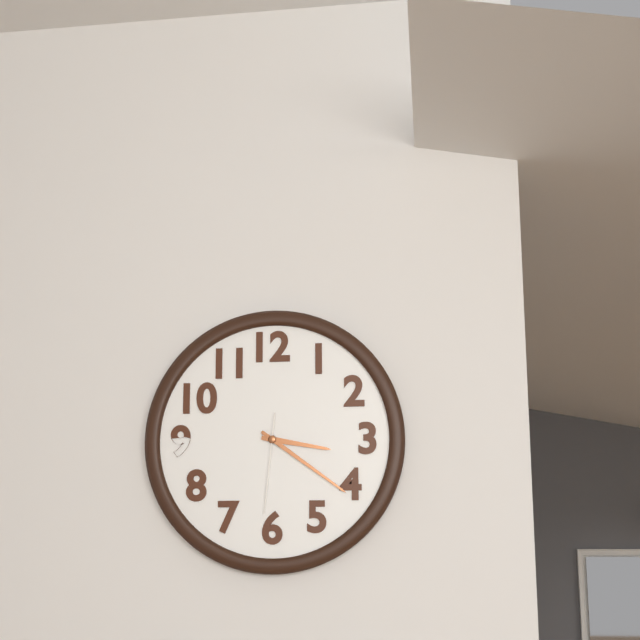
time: 3.21.31
